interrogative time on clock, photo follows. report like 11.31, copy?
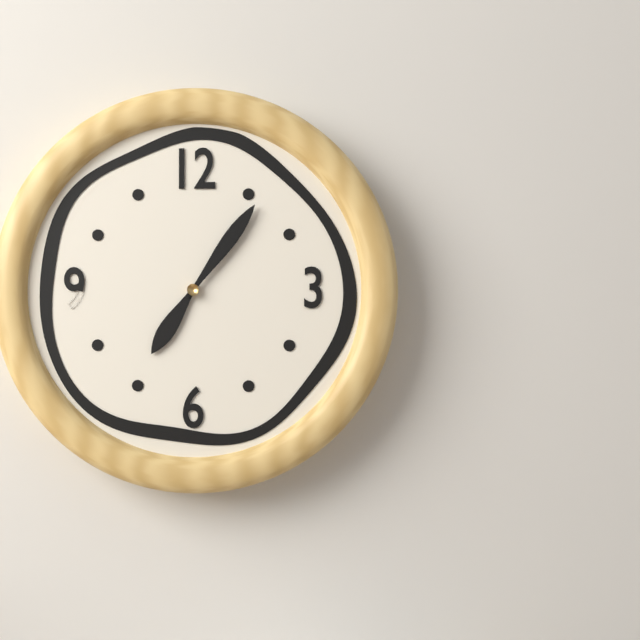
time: 7.06
